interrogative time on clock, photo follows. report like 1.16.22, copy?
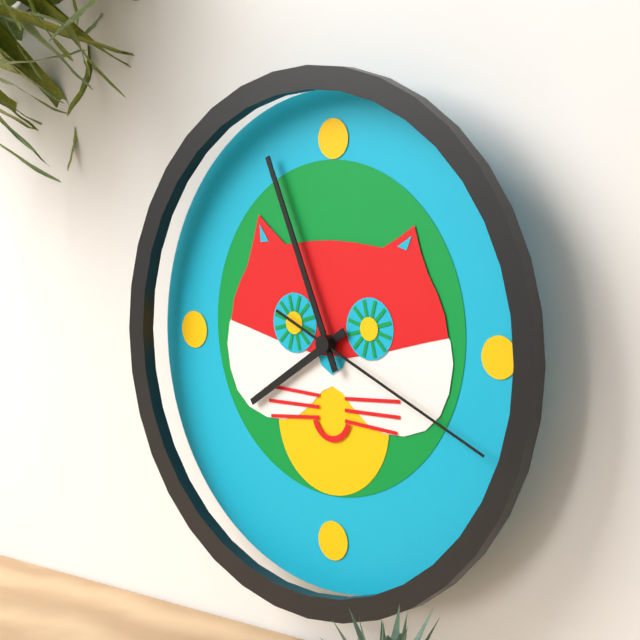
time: 7.56.19
